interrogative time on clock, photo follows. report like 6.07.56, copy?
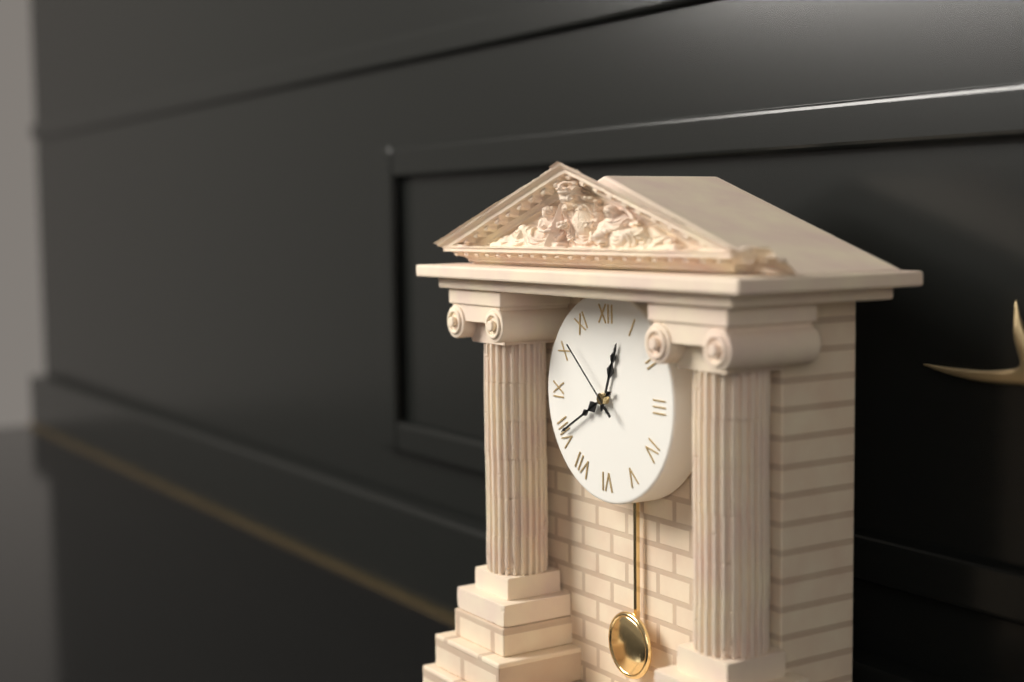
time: 12.40.52
